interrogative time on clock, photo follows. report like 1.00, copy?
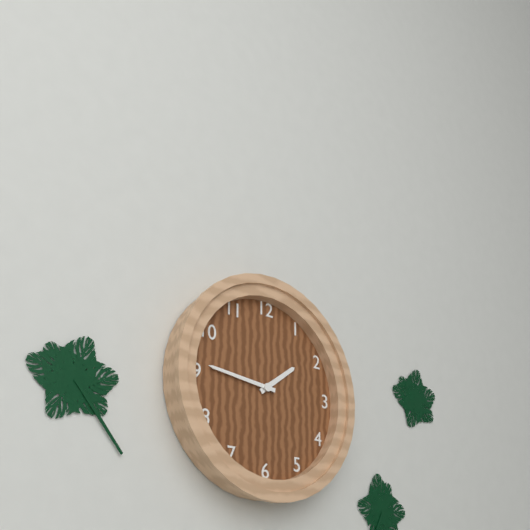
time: 1.46
